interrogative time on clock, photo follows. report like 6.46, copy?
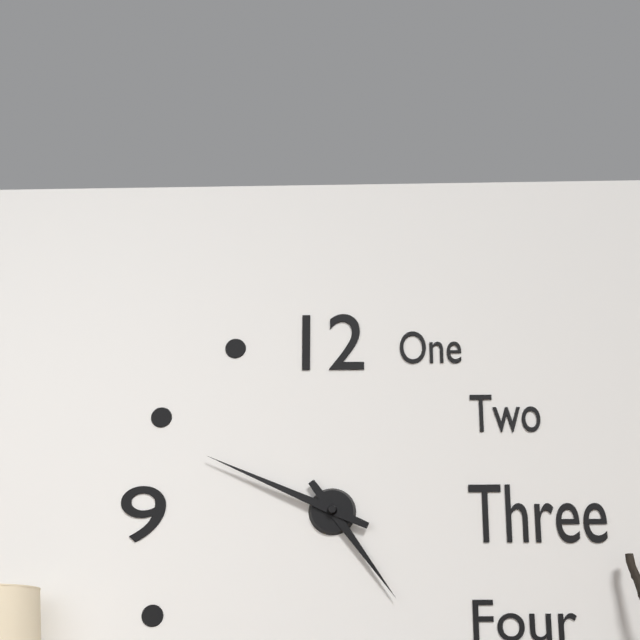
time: 4.49
